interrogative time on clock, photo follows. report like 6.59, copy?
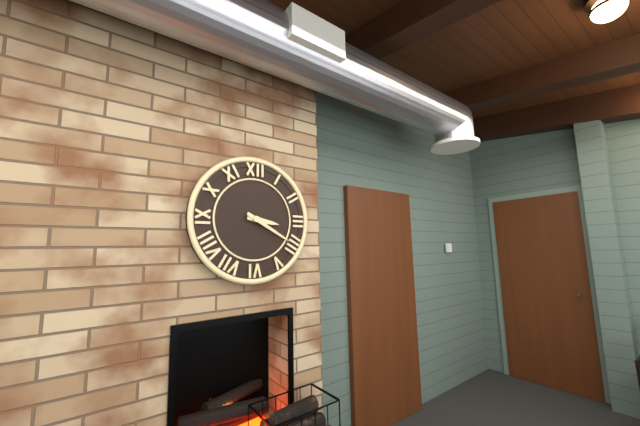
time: 3.20
